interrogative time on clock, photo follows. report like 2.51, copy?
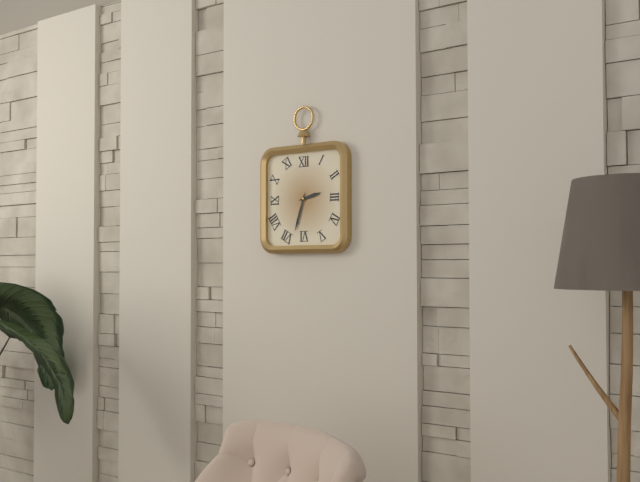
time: 2.33
